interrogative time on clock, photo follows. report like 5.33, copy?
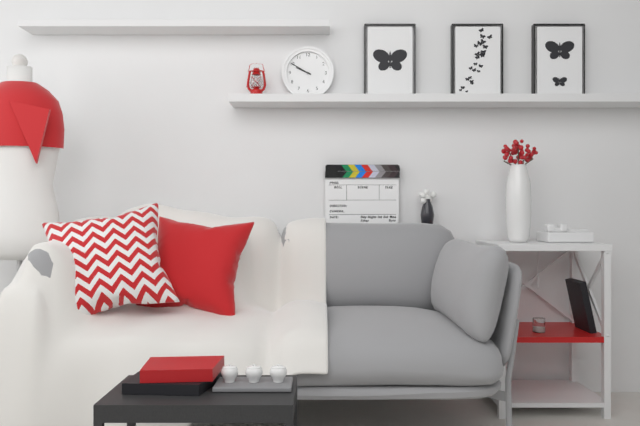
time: 9.50
